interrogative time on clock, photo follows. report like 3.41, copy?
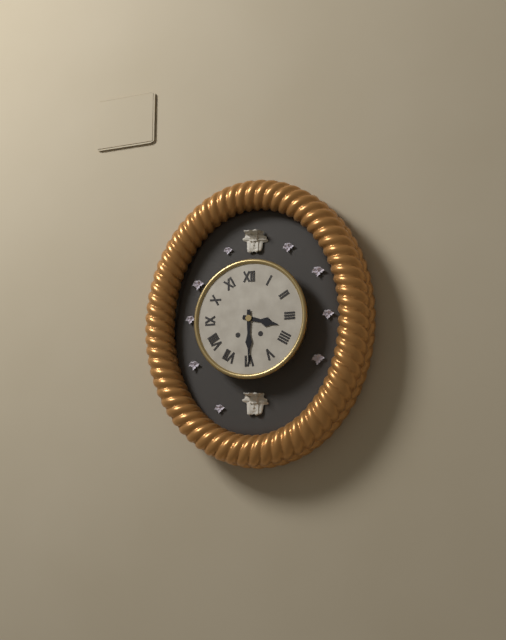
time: 3.30
